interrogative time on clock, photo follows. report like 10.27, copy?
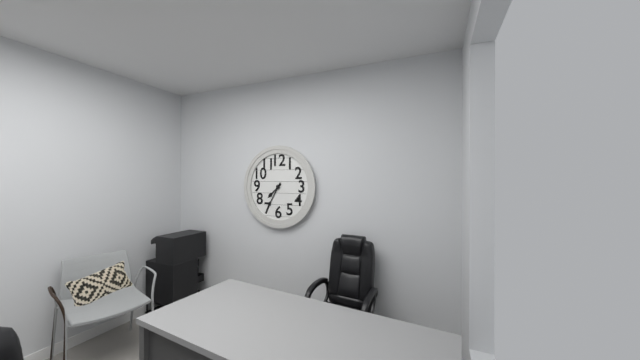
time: 7.35
